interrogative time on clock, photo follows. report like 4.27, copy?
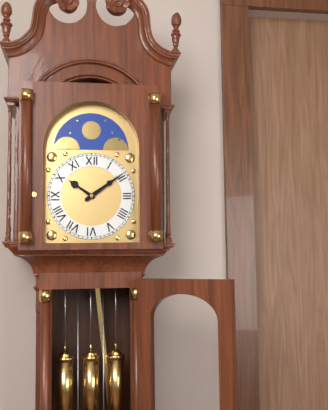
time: 10.09
